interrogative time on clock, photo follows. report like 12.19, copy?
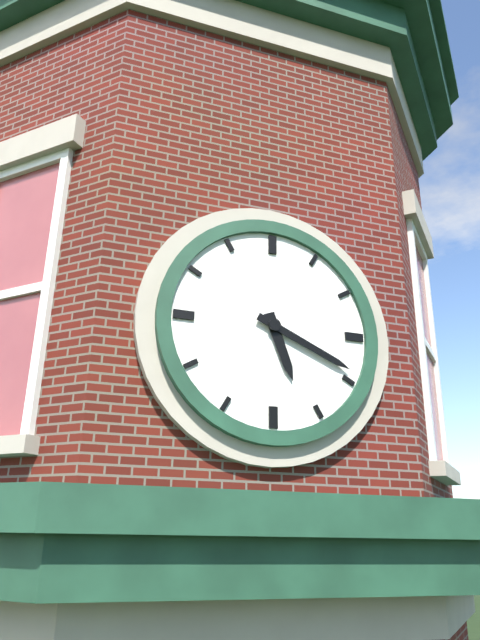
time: 5.19
